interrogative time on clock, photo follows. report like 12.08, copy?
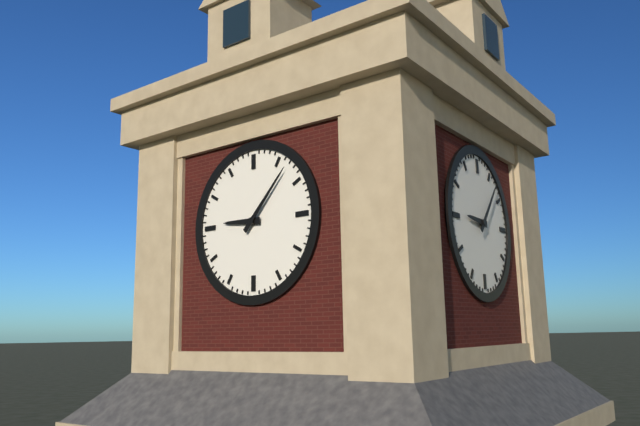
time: 9.07
